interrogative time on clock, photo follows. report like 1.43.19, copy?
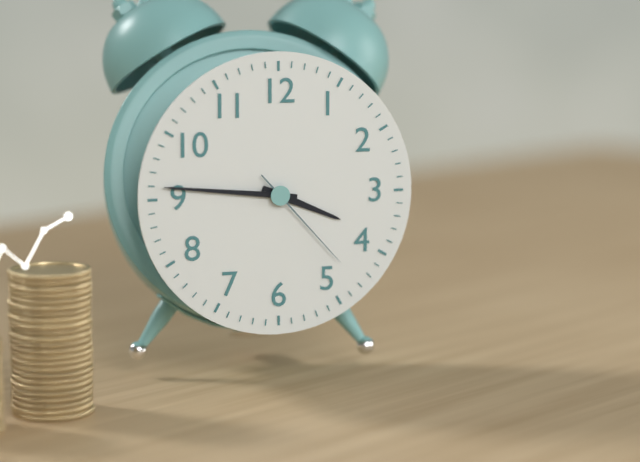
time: 3.46.23
